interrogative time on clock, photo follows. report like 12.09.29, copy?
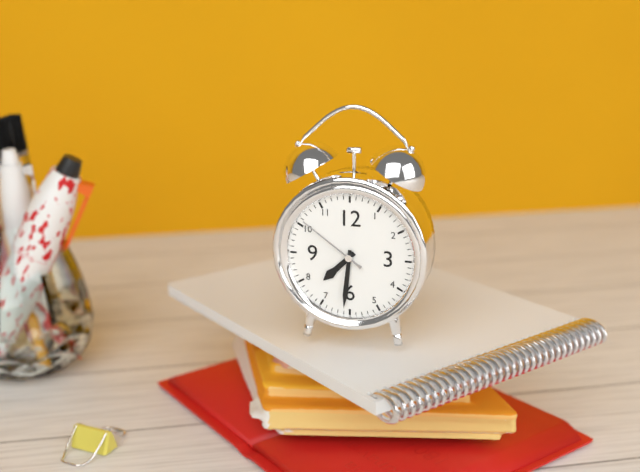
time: 7.31.51
